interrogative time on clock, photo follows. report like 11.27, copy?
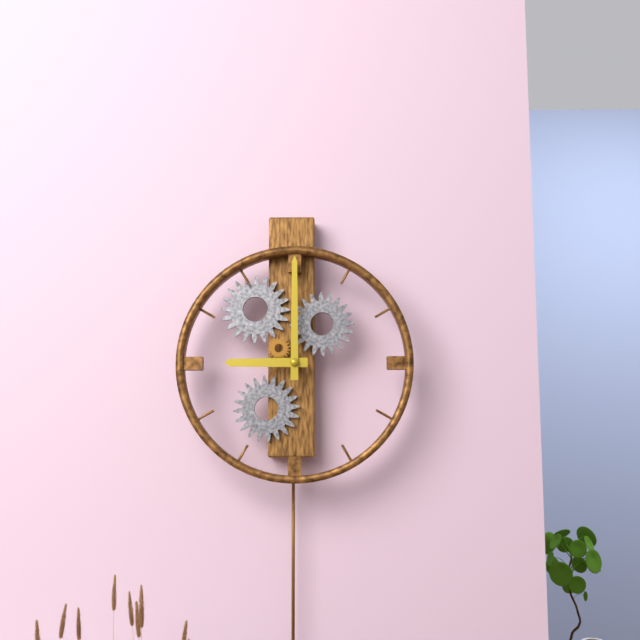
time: 9.00
